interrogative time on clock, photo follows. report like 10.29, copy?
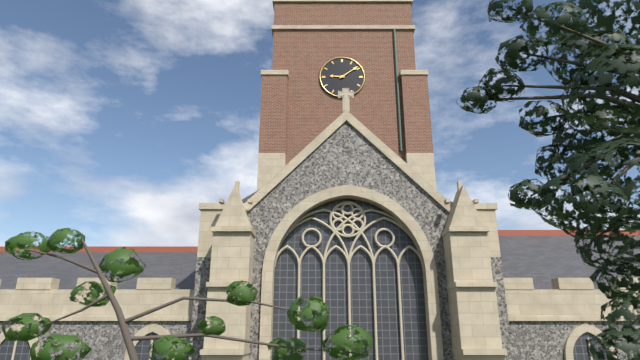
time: 9.09
